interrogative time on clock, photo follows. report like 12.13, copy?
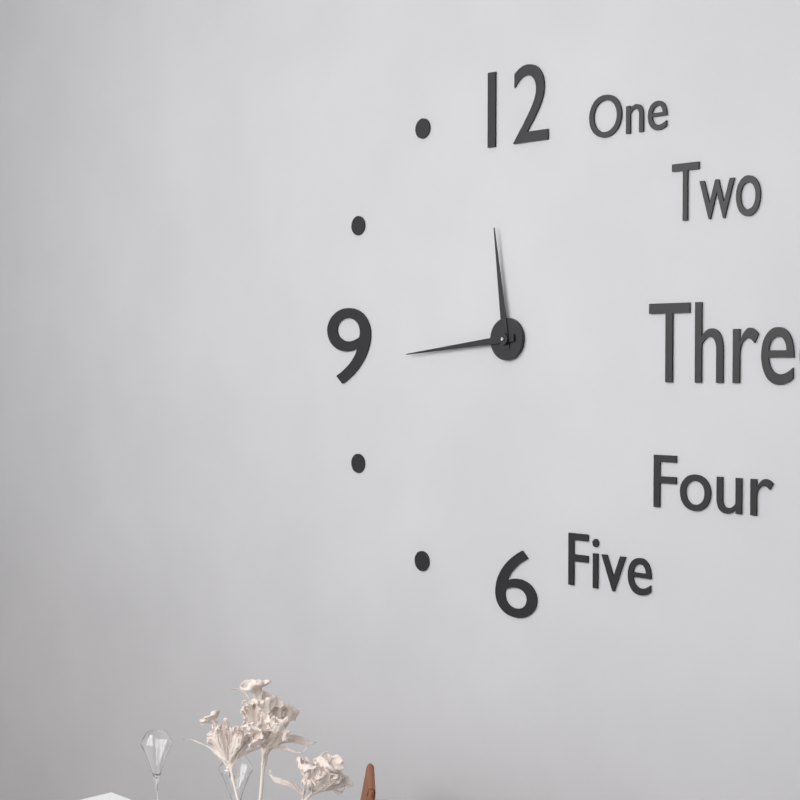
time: 11.44
